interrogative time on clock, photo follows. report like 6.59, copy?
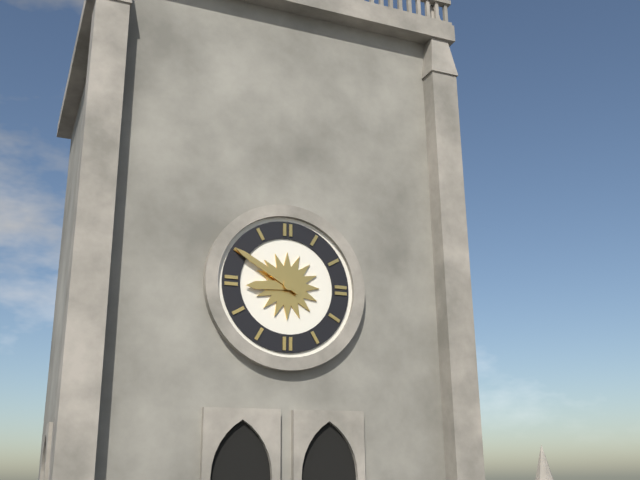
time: 8.50
